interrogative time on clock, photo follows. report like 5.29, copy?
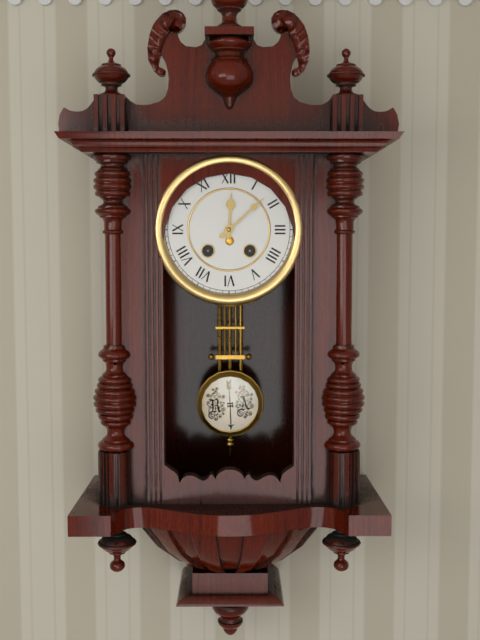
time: 12.08
